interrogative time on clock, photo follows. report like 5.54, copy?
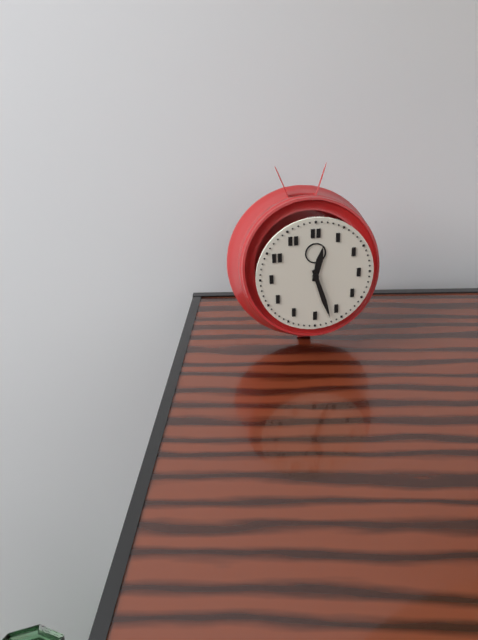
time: 12.27
